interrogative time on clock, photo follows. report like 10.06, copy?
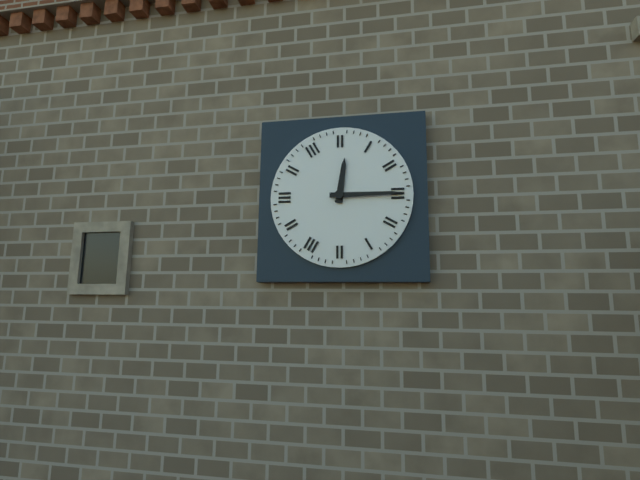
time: 12.15
